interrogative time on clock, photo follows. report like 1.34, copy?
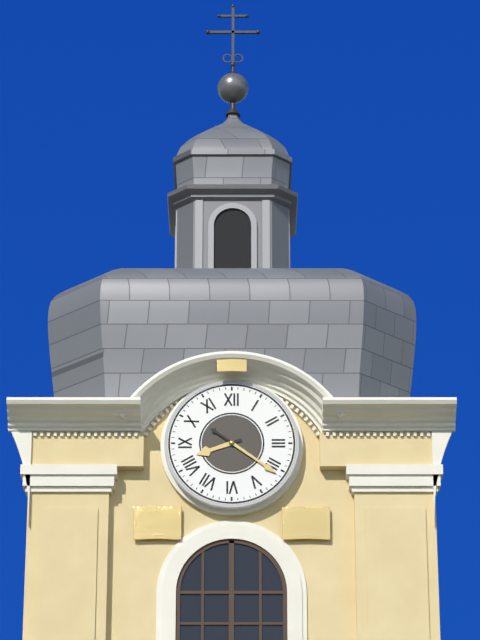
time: 8.21
